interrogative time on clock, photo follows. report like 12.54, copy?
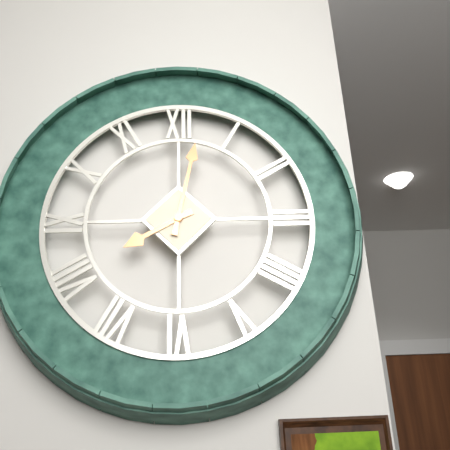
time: 8.02
